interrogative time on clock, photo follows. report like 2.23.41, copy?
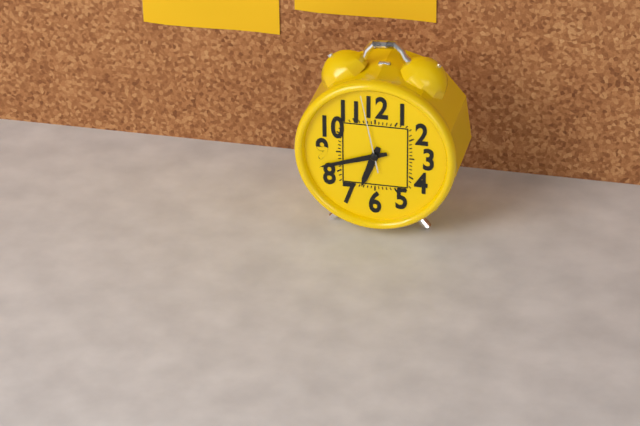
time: 6.42.58
